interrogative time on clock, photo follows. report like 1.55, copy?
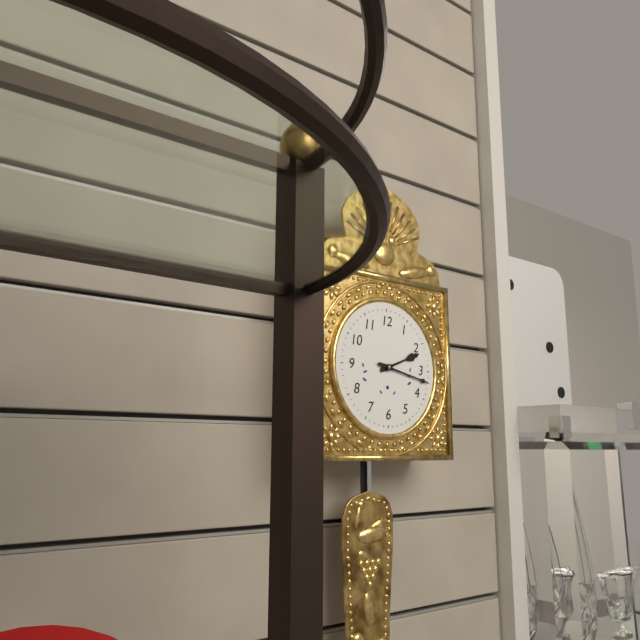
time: 2.17
